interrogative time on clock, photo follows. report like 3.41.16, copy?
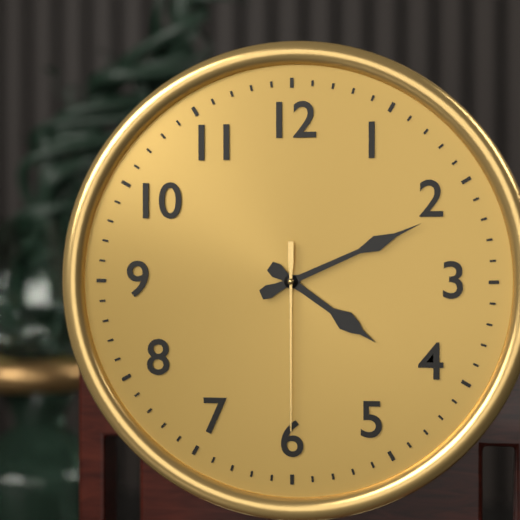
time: 4.11.30
